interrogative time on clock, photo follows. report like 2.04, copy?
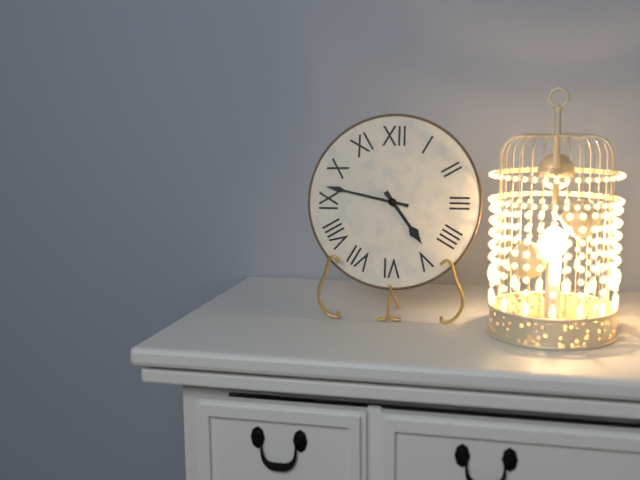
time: 4.47
